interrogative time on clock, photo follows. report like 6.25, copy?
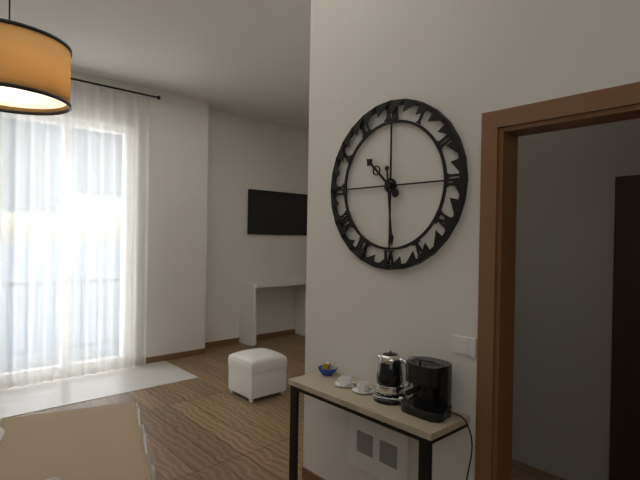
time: 10.29
